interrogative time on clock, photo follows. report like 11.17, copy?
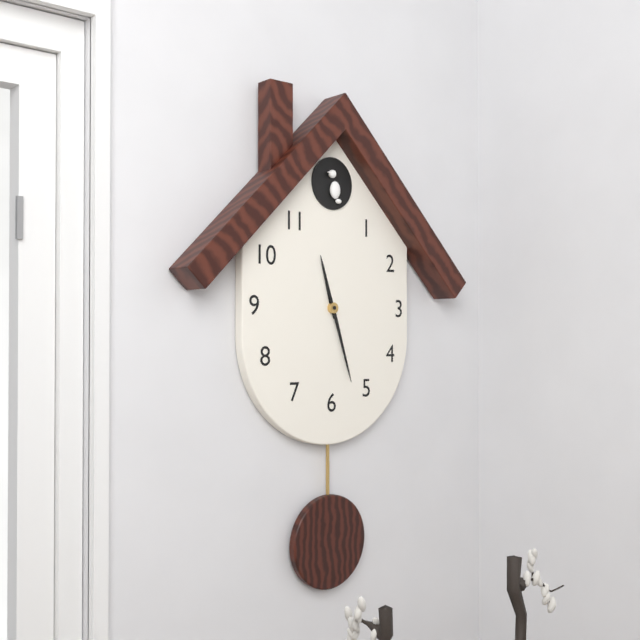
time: 11.27
